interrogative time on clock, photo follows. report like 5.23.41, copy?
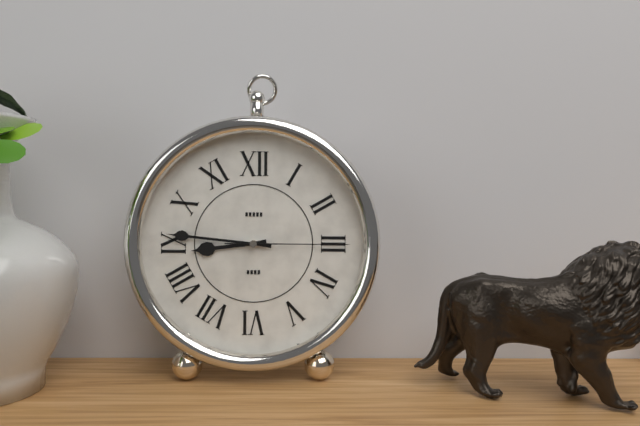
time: 8.46.15
